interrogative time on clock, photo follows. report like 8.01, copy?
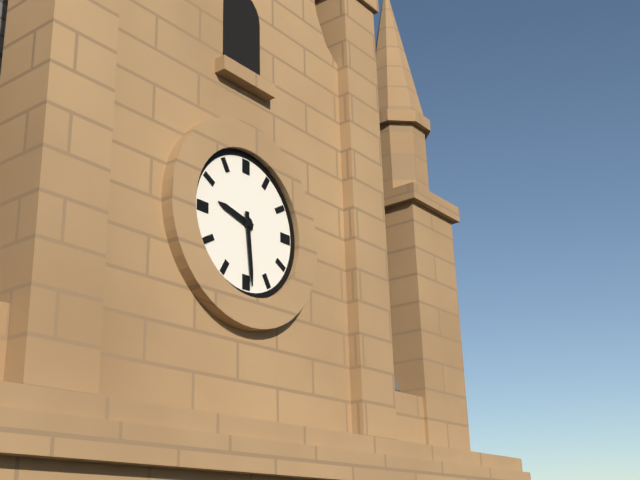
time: 9.29
